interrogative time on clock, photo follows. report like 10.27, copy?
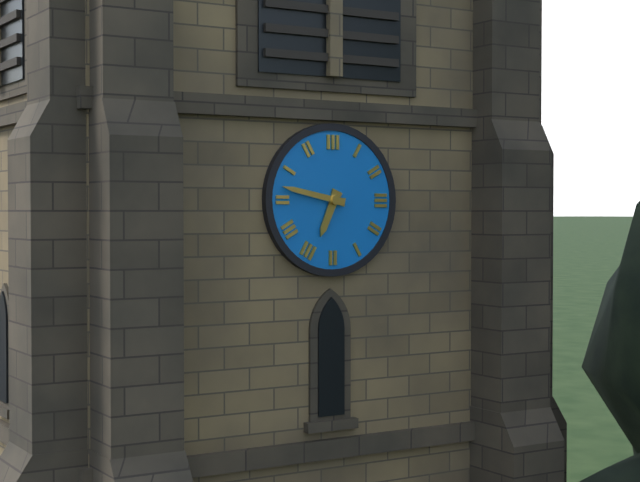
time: 6.47
